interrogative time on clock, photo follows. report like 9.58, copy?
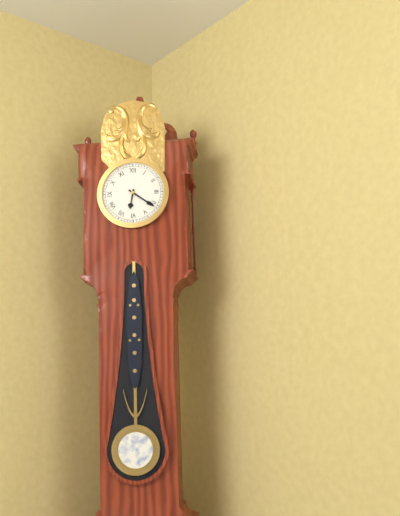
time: 6.21
